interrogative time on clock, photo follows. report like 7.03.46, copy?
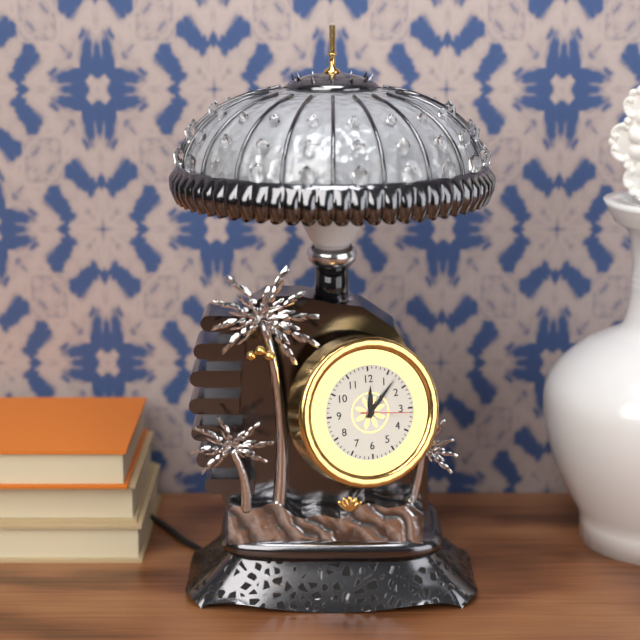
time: 12.07.16
